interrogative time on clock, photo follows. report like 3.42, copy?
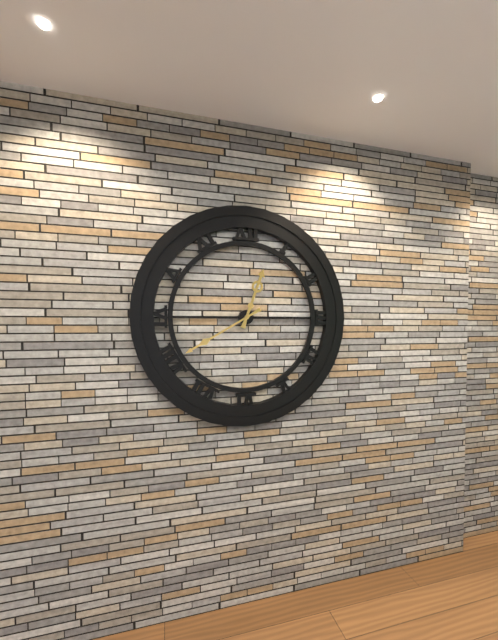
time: 12.40
